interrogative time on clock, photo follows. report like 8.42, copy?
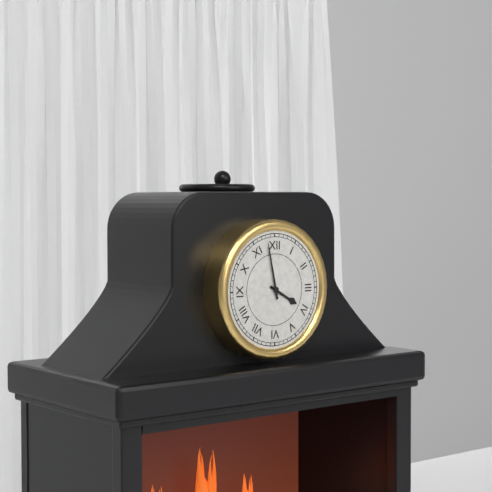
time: 3.58
